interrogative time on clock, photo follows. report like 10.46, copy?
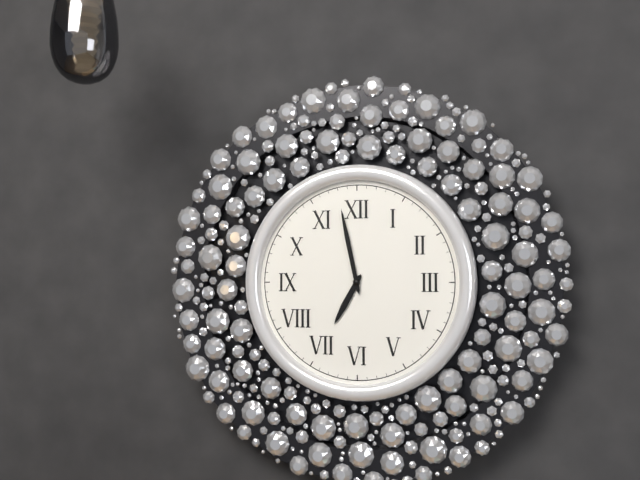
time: 6.58
